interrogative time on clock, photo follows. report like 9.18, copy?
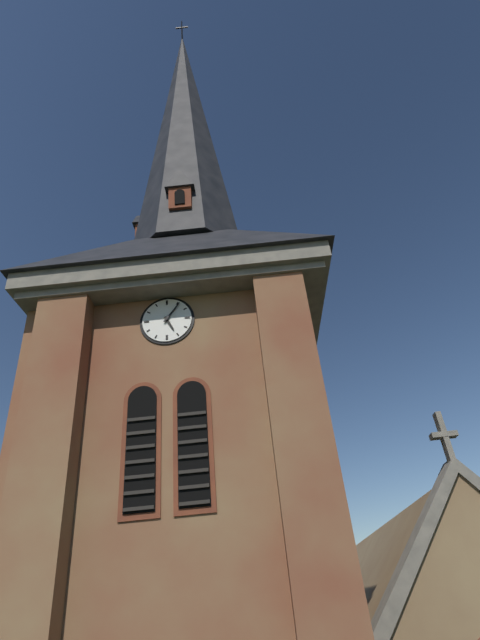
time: 5.06
